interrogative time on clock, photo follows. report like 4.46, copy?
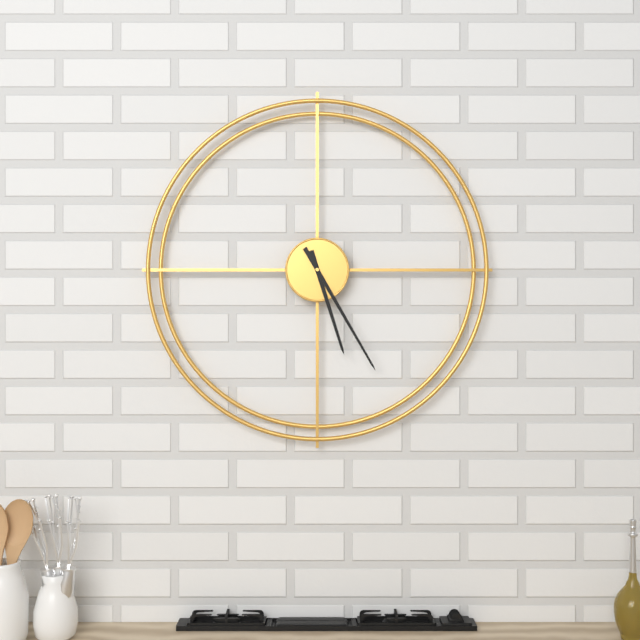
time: 5.25
